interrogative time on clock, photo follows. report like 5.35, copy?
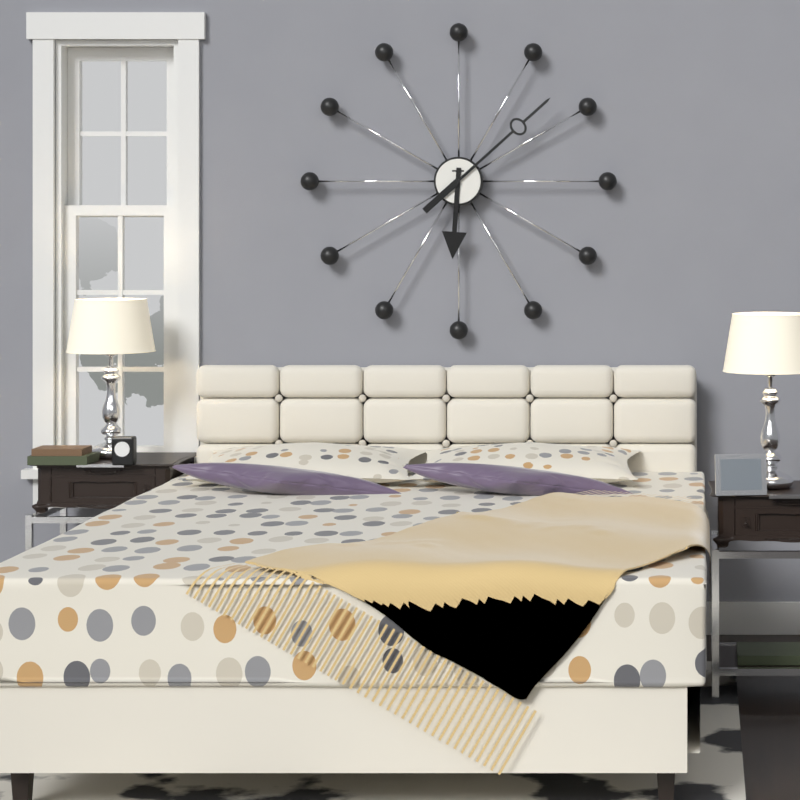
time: 6.08
